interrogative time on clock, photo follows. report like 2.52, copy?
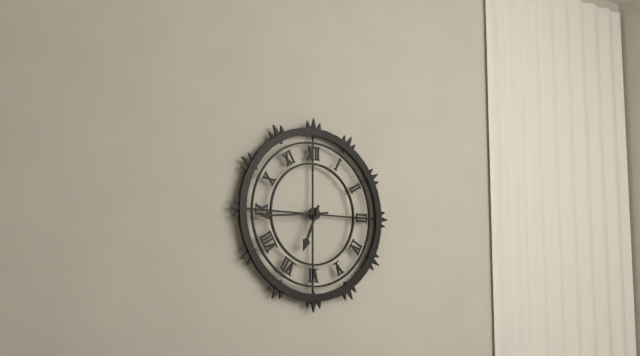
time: 6.44
